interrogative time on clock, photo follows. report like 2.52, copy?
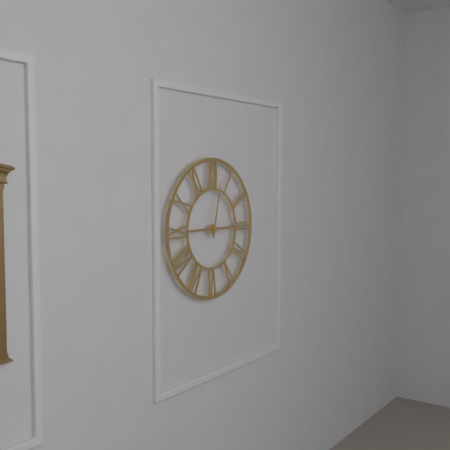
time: 3.02
